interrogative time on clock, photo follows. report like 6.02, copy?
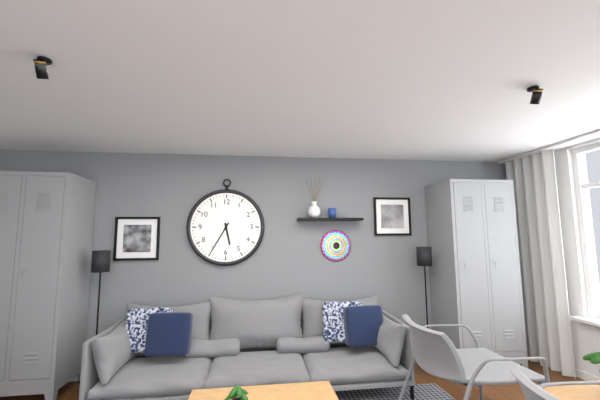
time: 5.35
